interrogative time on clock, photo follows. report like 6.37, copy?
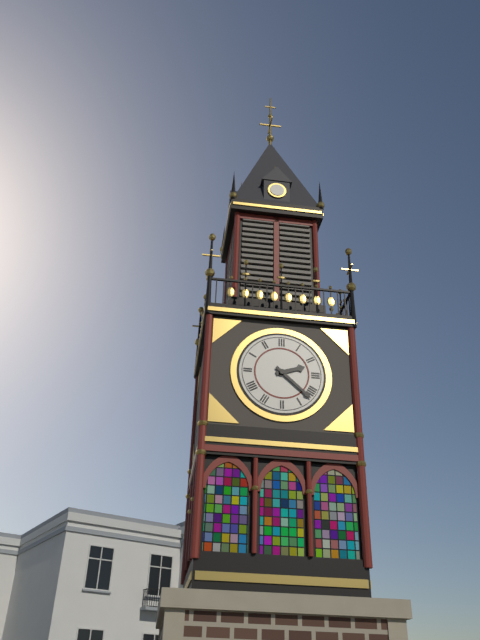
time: 2.22
